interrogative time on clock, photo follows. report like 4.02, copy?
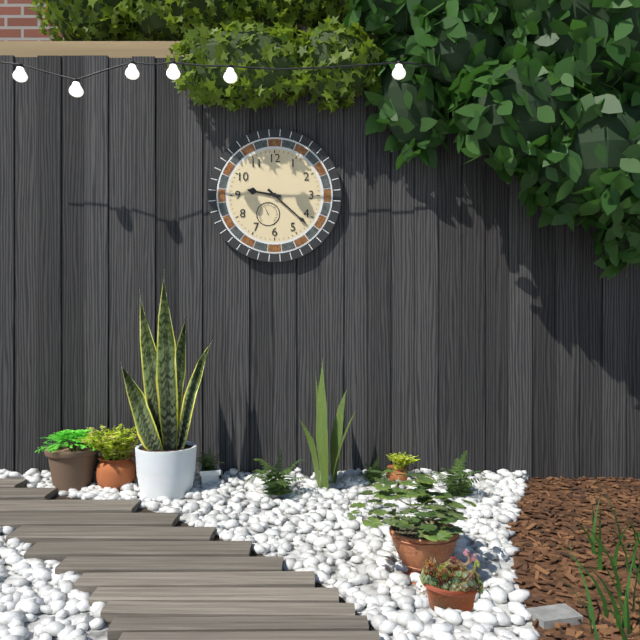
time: 9.22
